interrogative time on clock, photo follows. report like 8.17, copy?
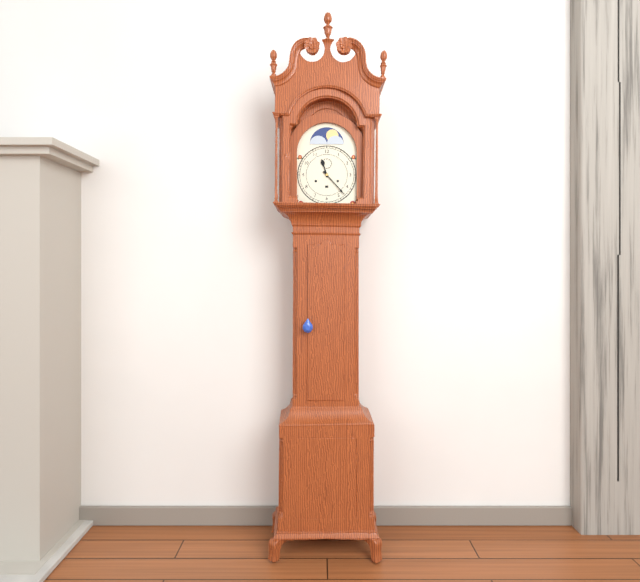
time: 11.23
